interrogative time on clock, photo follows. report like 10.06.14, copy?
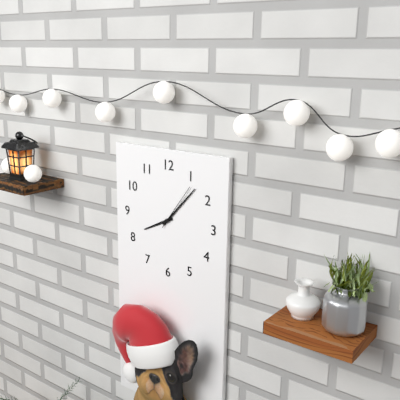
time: 8.07.06
